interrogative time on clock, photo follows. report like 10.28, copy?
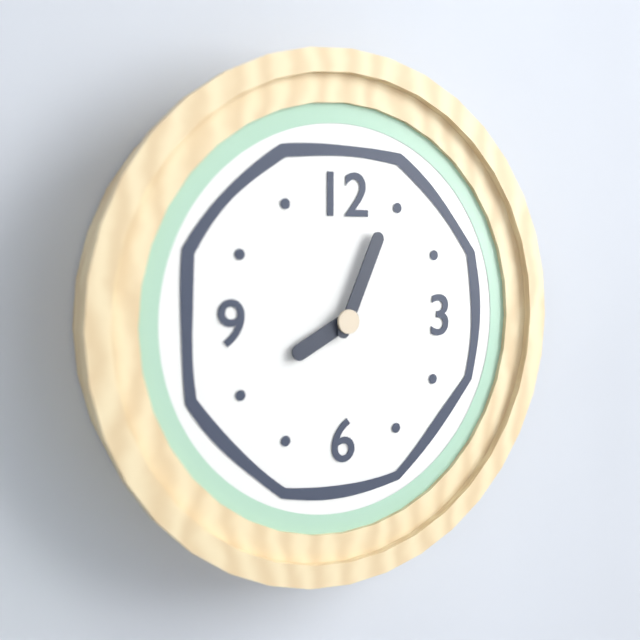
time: 8.04
